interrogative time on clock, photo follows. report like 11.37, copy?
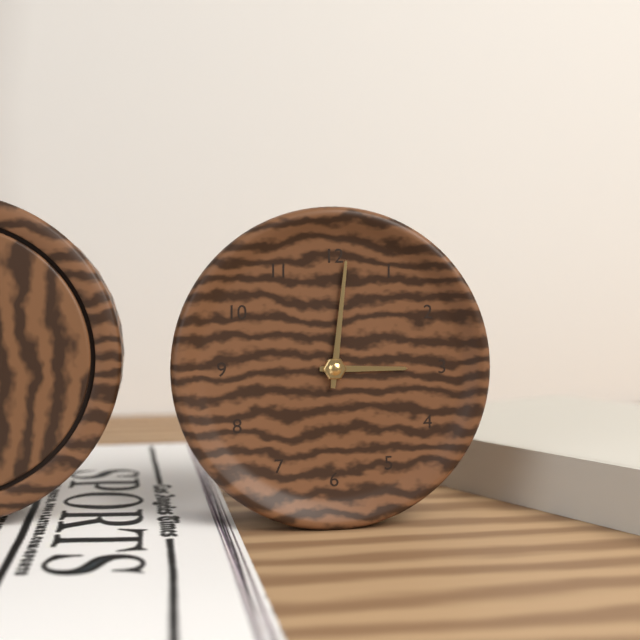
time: 3.01
